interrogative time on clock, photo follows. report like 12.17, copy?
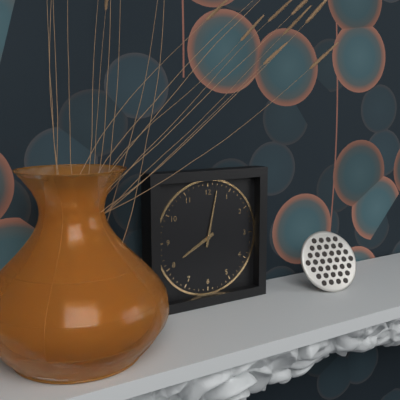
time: 8.02
